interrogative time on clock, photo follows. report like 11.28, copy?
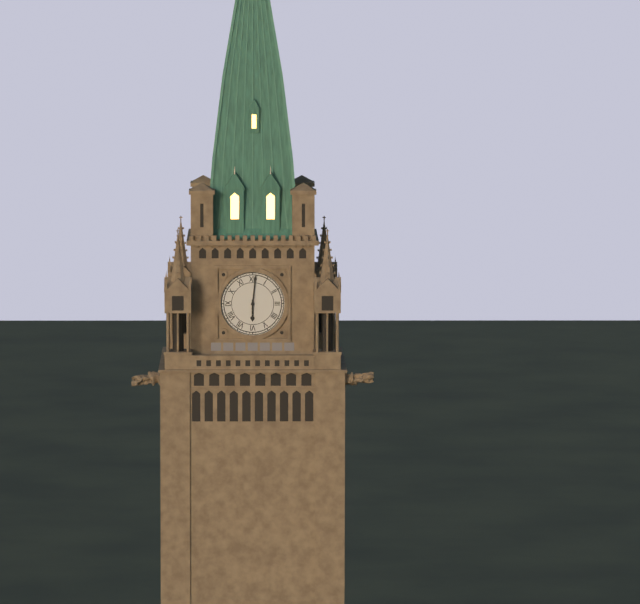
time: 6.01
